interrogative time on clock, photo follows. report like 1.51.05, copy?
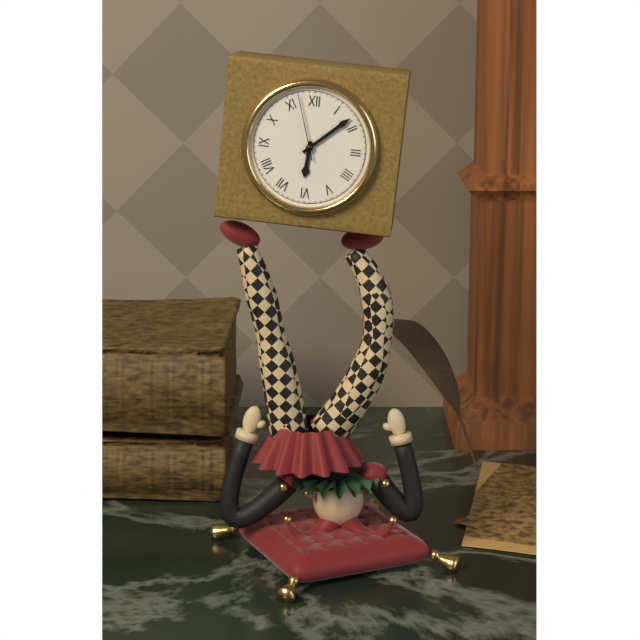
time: 6.08.57
